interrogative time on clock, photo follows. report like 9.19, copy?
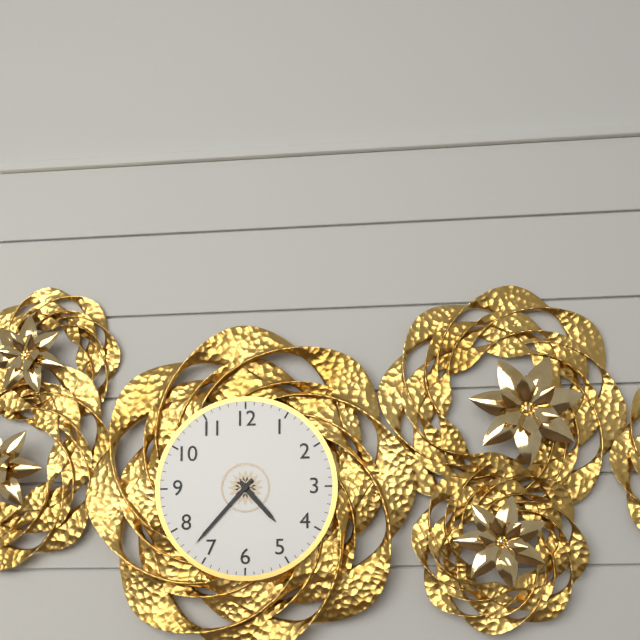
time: 4.37
